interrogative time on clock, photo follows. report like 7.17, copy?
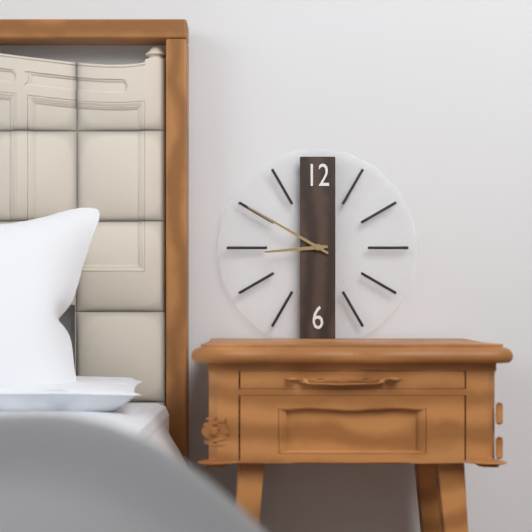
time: 8.50
